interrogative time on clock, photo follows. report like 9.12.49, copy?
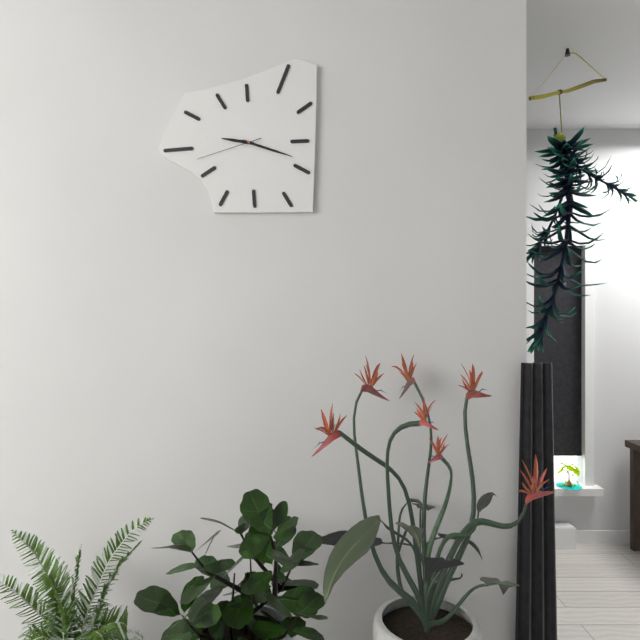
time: 9.18.42
